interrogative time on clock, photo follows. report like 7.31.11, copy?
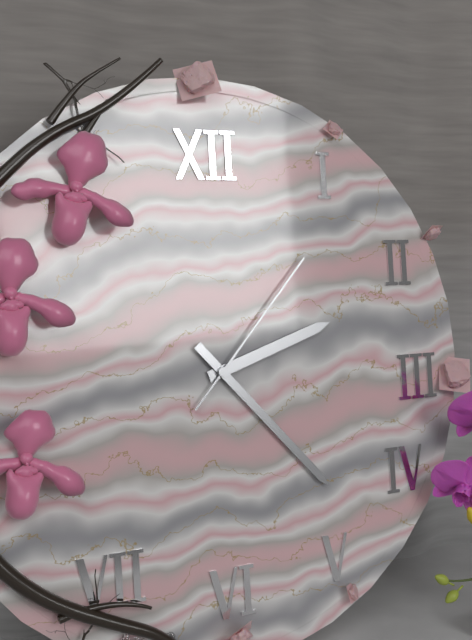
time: 2.23.07
